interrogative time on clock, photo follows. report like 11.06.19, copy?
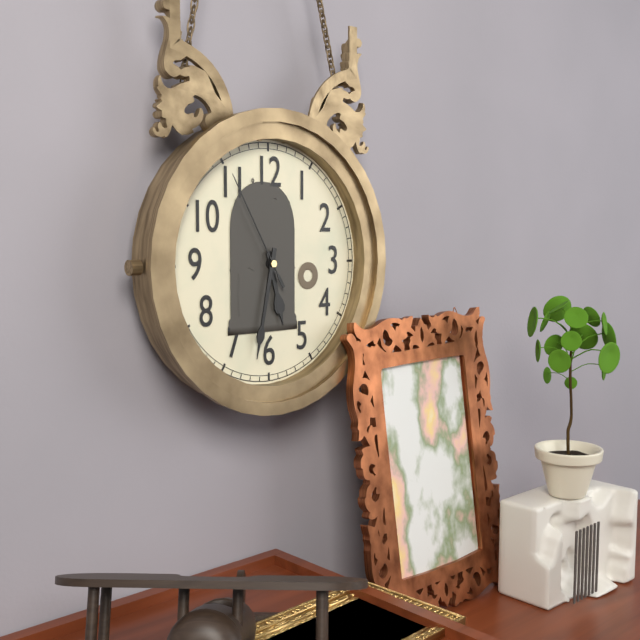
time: 5.32.55
